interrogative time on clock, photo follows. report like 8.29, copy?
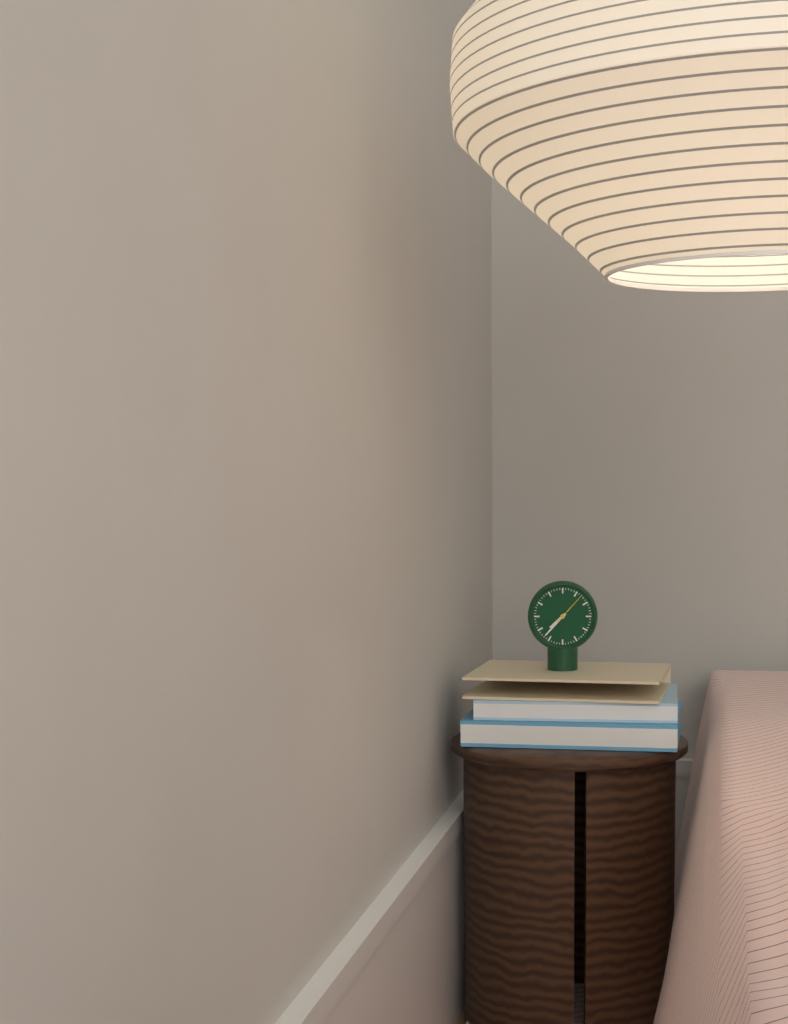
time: 7.37
